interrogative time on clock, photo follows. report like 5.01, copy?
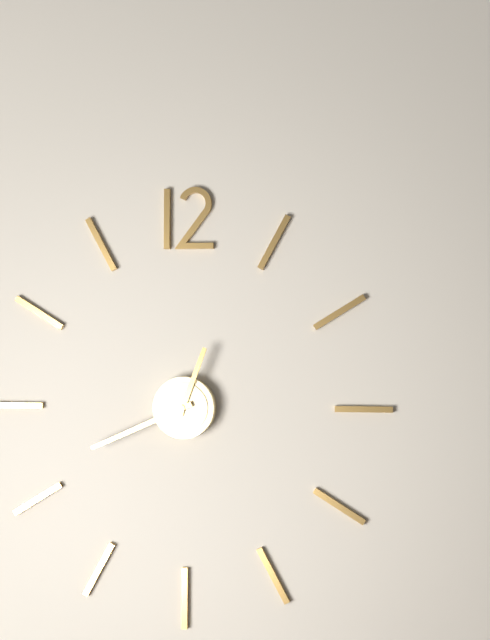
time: 12.41
